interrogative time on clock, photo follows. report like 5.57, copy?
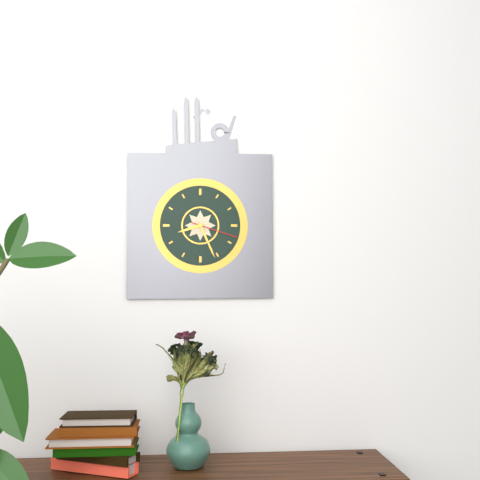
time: 8.26
